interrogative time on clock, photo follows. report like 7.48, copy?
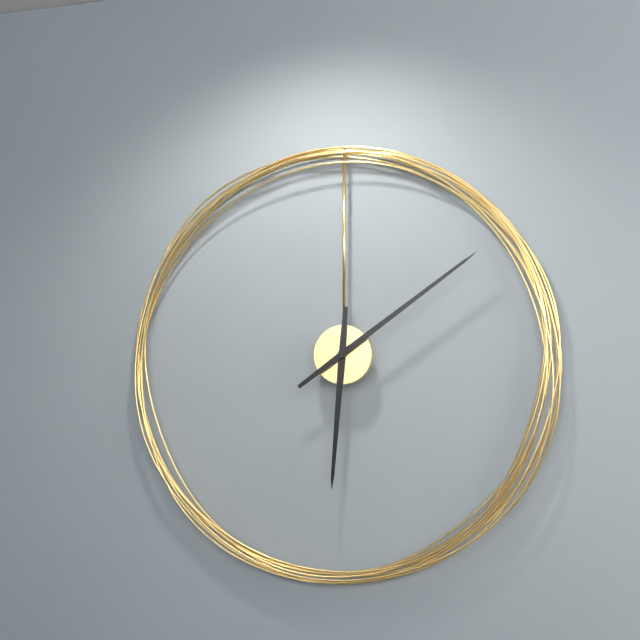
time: 6.09
